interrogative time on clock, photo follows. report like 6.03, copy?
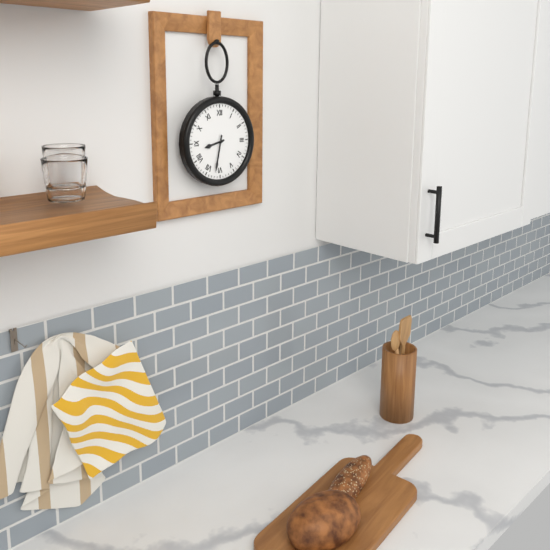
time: 8.32
